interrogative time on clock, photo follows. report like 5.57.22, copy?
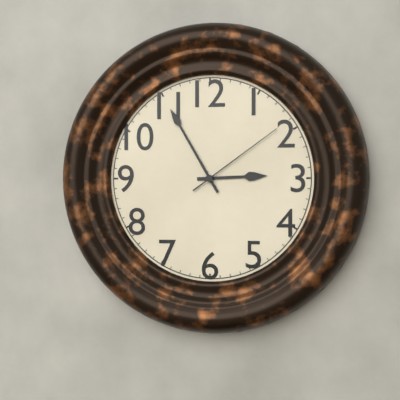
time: 2.55.09
